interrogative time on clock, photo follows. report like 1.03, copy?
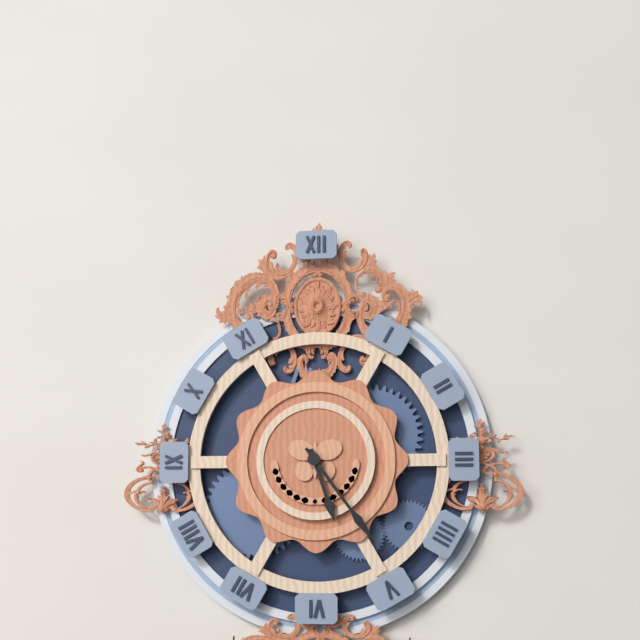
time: 5.24
